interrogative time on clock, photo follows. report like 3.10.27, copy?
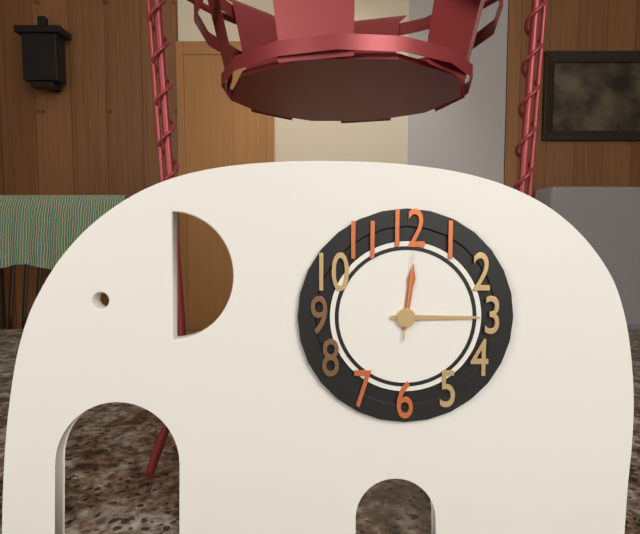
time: 12.15.01
